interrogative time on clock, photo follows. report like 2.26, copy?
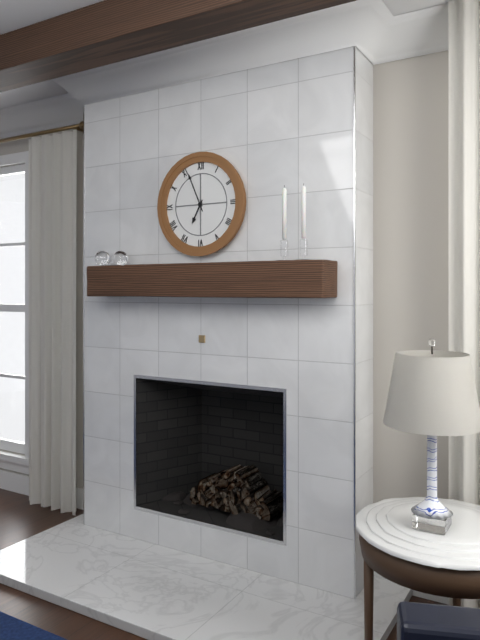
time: 6.56
